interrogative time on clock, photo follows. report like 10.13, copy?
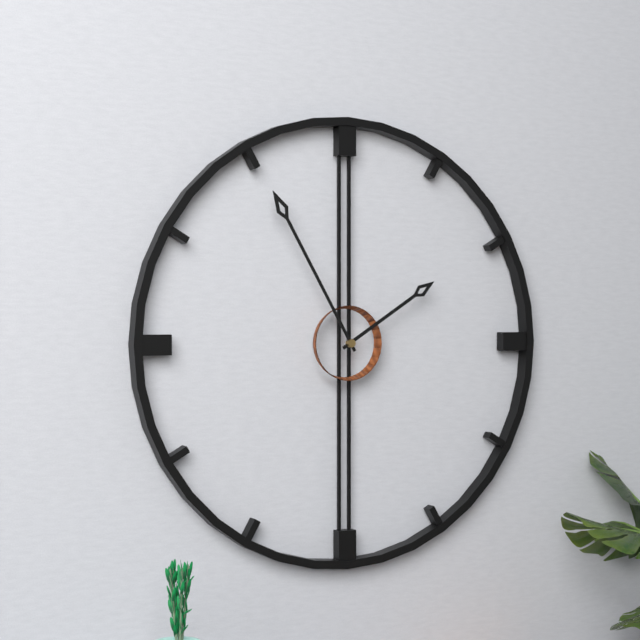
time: 1.55
